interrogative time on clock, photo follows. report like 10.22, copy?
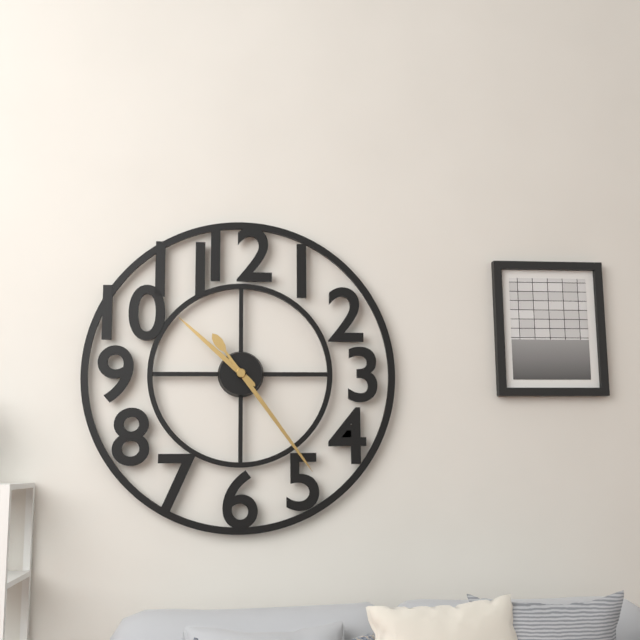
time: 10.24
